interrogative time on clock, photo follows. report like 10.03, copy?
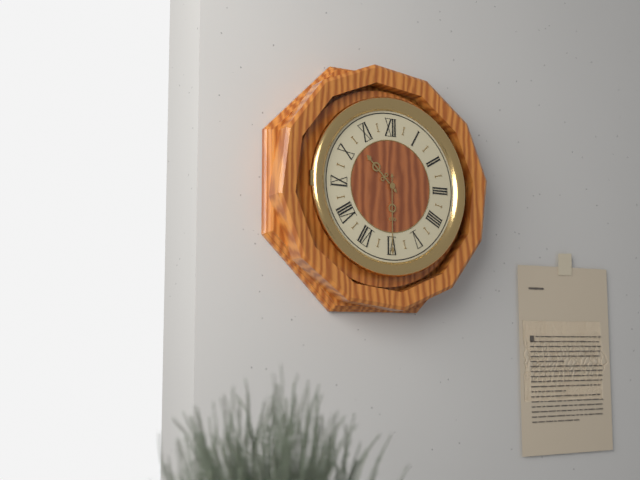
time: 10.30
